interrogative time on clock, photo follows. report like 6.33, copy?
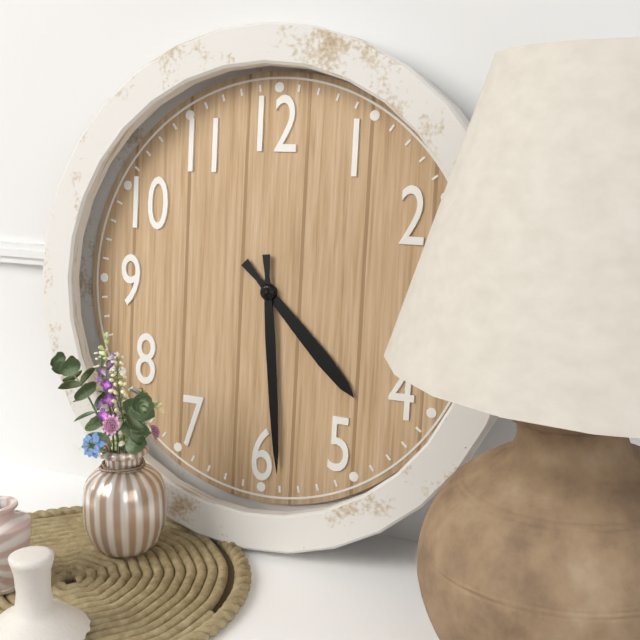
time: 4.29
